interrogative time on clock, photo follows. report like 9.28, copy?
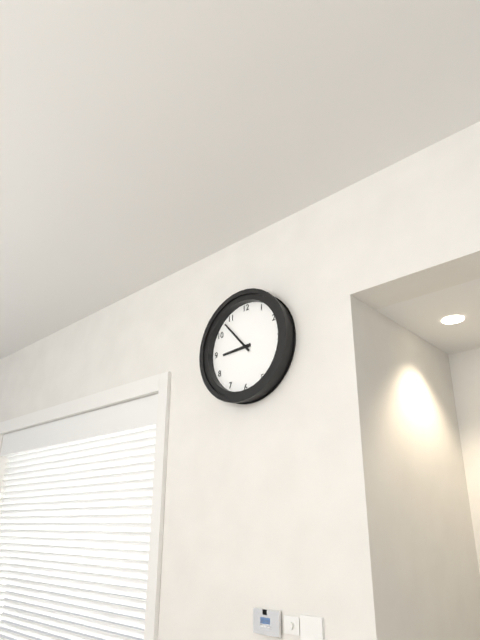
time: 8.53
